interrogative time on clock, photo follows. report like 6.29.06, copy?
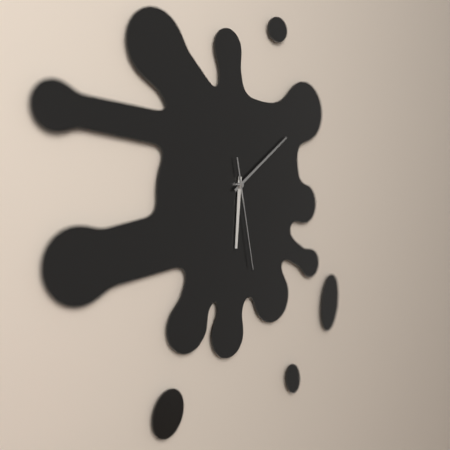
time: 6.09.28
